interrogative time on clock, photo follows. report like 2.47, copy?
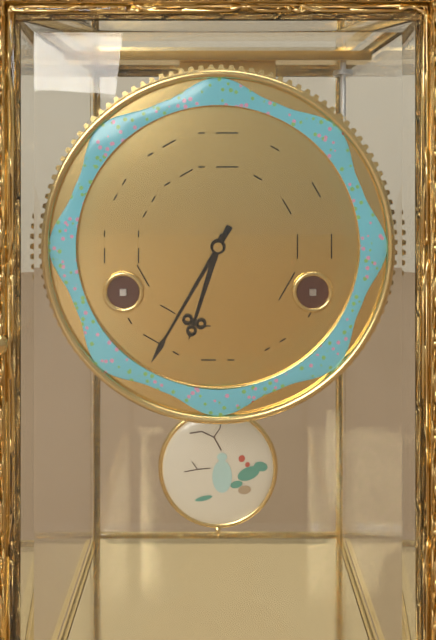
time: 6.35
